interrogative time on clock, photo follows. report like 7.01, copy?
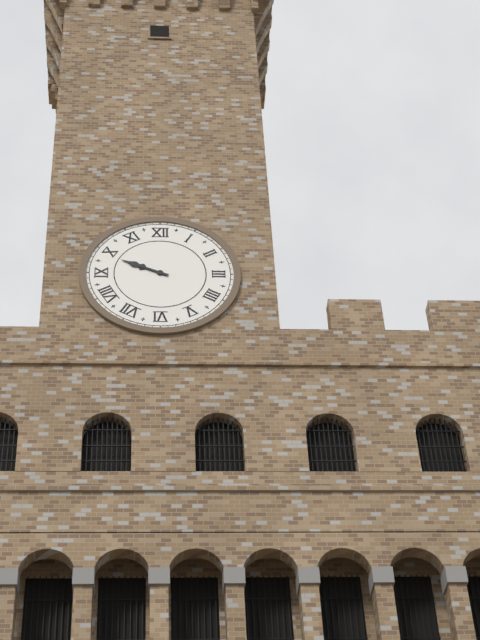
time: 9.49
